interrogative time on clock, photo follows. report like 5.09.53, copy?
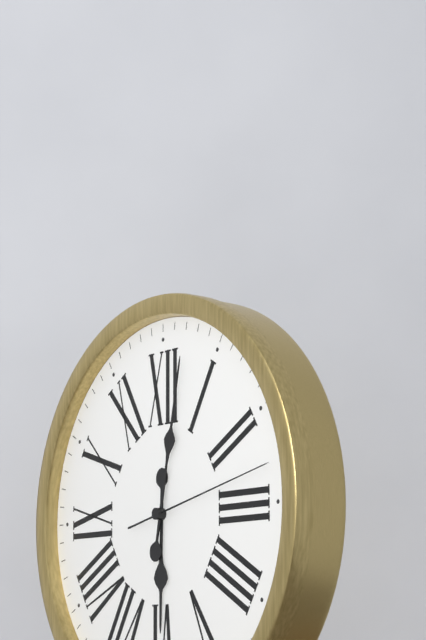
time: 6.02.13
